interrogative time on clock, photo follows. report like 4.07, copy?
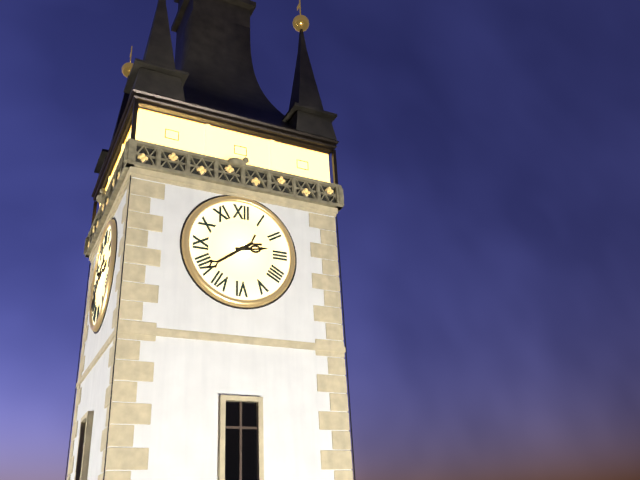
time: 2.39
